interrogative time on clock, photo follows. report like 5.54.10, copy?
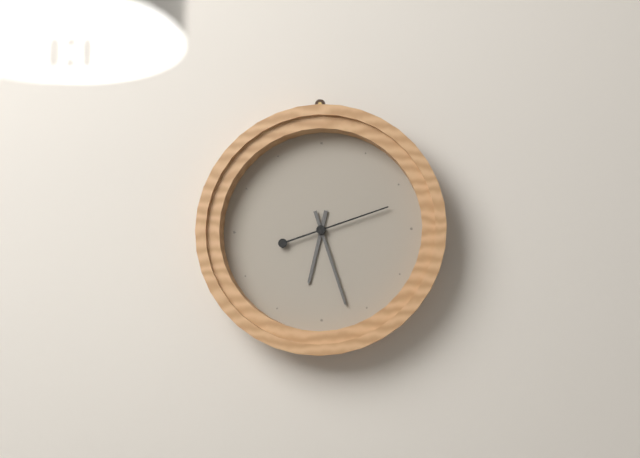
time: 6.27.12
